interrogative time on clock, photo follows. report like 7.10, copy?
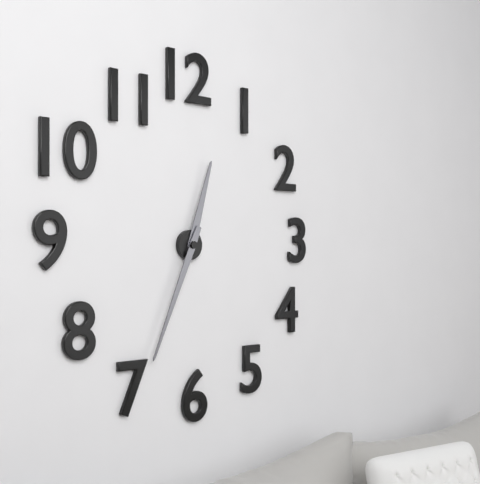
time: 12.34
